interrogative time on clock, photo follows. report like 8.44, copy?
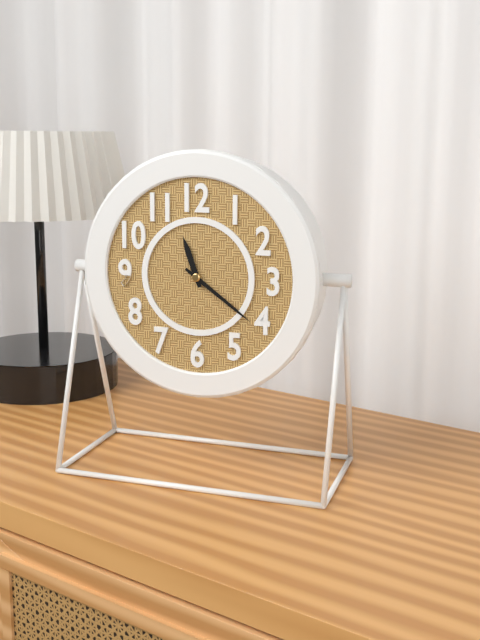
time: 11.21
